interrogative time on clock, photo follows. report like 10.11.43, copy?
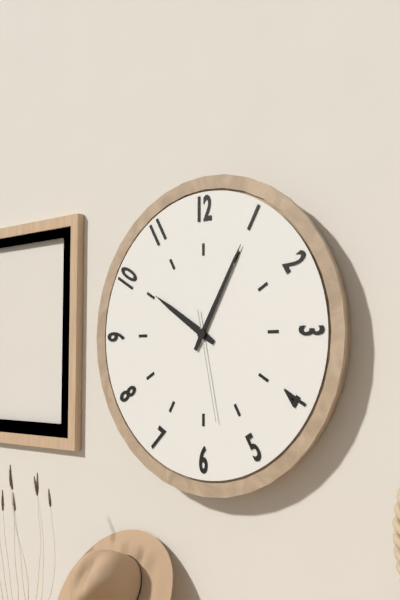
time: 10.05.28
